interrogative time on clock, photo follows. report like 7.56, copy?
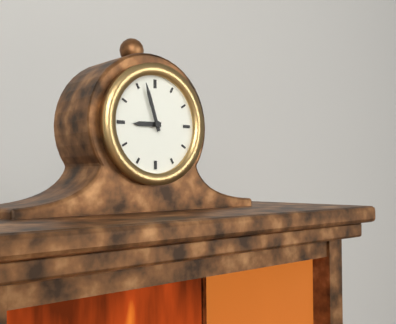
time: 8.57
